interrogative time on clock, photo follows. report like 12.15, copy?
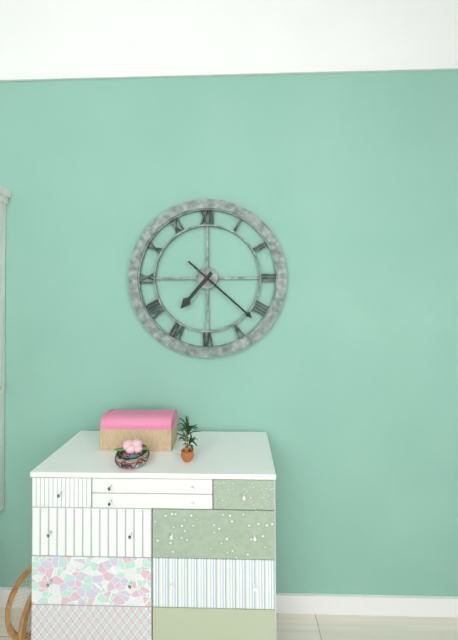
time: 7.22
